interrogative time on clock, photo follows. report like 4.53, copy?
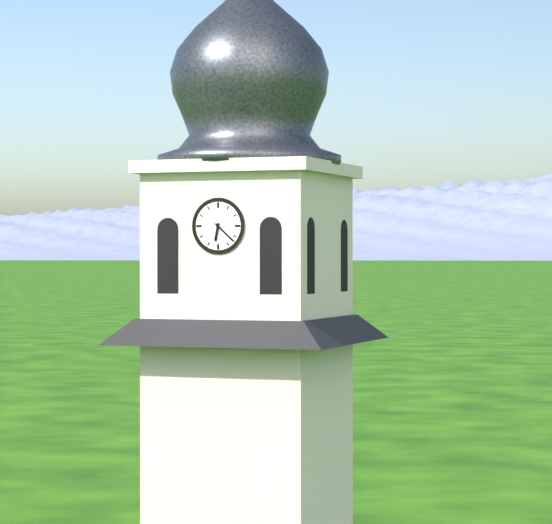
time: 6.22
